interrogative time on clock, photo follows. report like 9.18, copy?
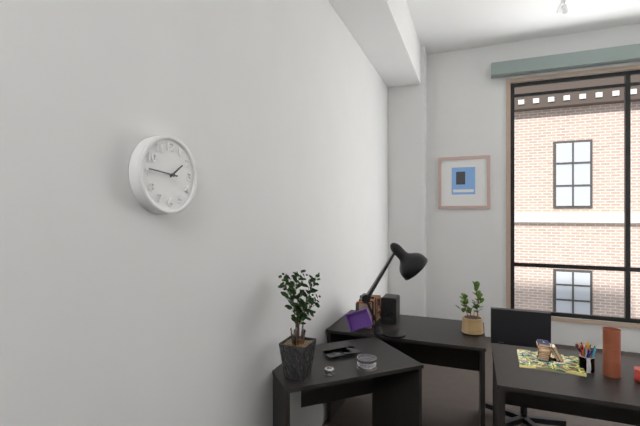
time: 1.46
